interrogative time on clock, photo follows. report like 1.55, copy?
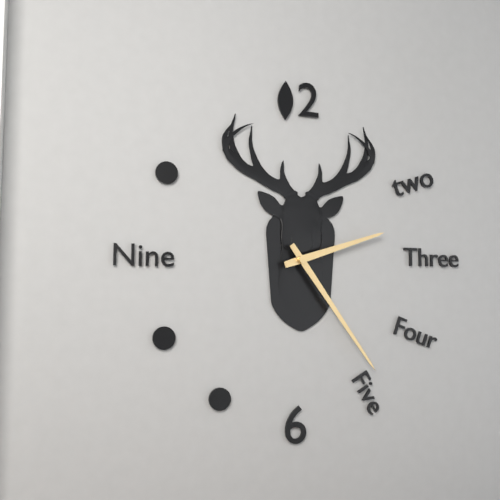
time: 2.24
